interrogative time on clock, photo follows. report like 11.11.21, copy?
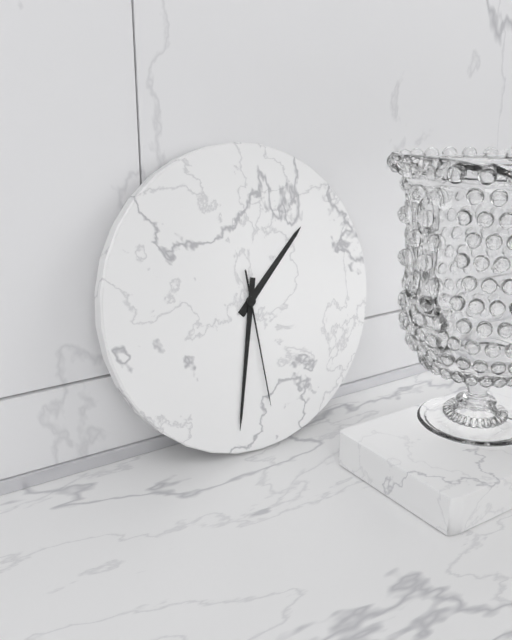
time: 1.32.29
